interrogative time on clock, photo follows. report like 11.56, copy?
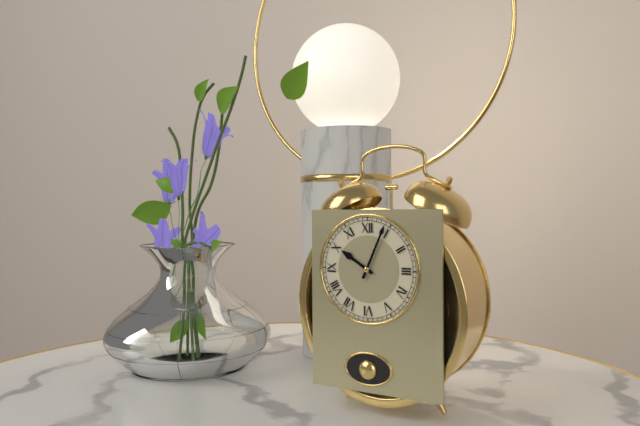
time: 10.04
